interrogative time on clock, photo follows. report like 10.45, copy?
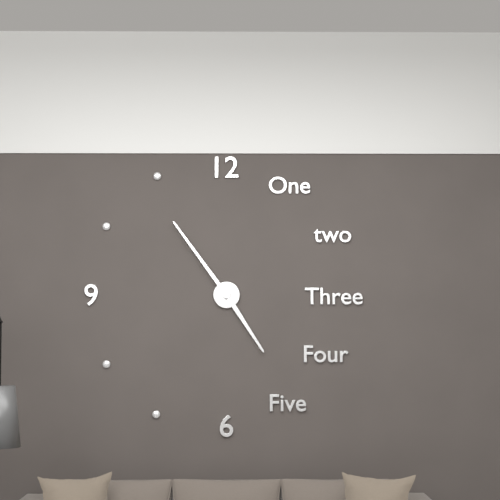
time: 4.54
